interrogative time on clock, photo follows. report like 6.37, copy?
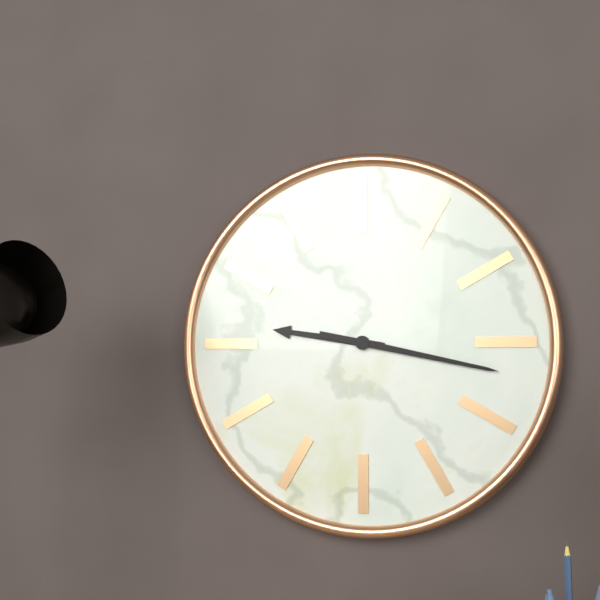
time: 9.17
